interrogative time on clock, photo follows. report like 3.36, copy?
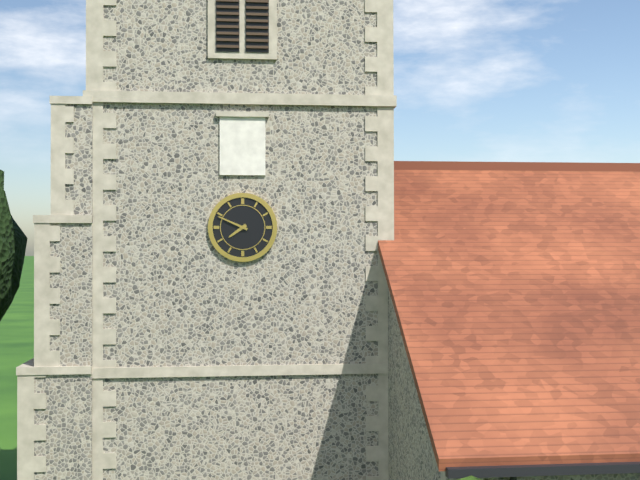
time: 7.49
